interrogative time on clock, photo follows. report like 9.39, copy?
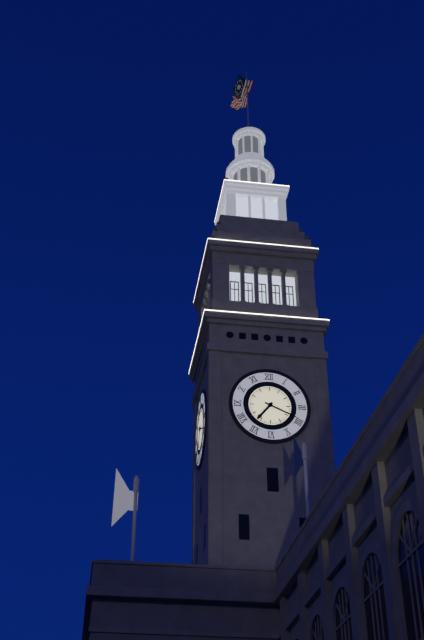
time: 7.19
